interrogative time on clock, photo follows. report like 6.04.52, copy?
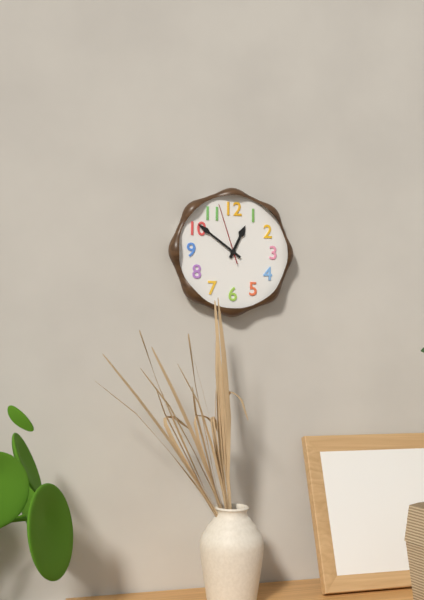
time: 12.51.57
